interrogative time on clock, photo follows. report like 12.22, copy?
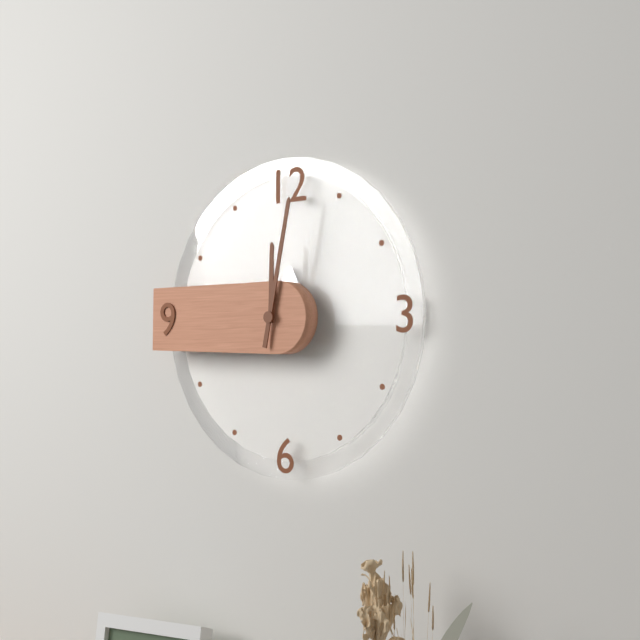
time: 12.02
